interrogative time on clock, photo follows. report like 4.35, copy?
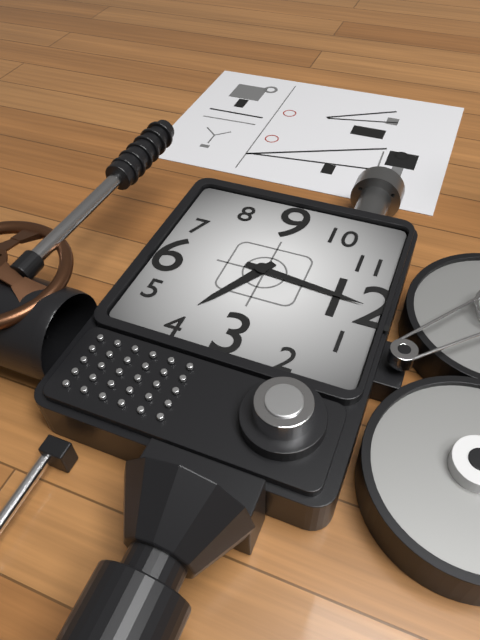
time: 4.01
